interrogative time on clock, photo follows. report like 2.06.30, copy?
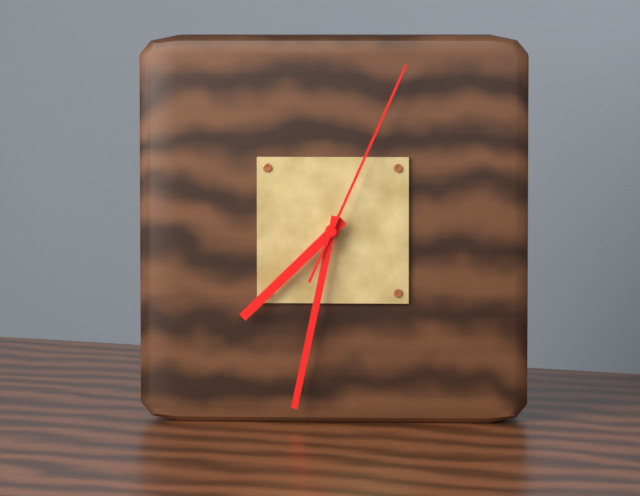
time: 7.32.04
